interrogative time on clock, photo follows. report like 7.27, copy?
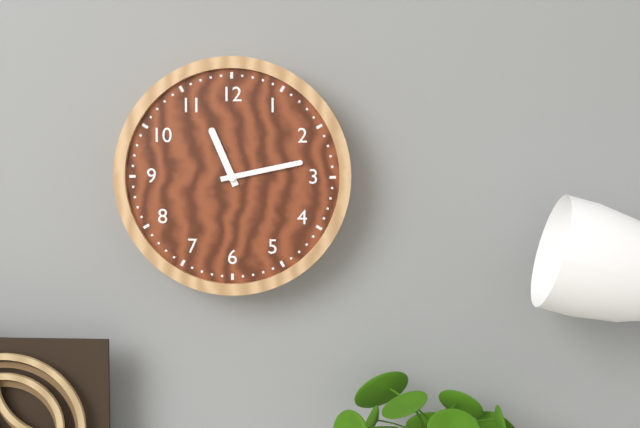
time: 11.13
